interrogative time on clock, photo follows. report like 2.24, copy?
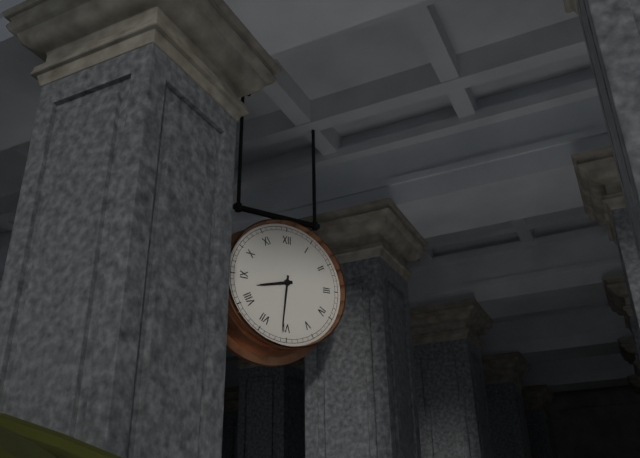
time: 8.31
